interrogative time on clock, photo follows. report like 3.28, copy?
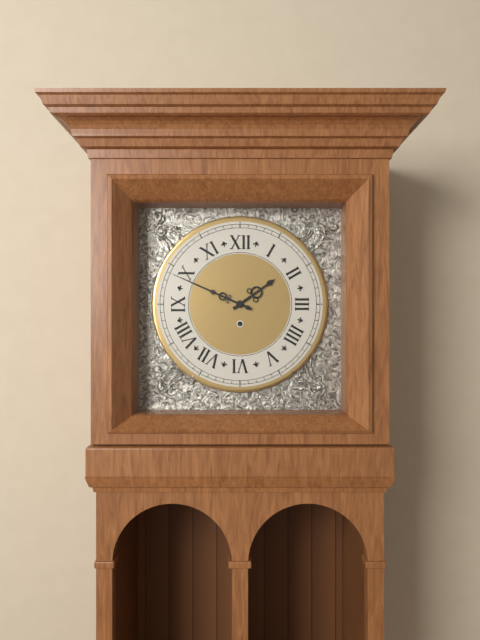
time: 1.49
